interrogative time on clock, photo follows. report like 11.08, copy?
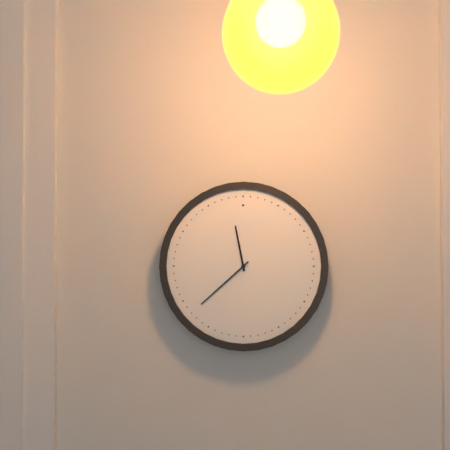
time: 11.38
